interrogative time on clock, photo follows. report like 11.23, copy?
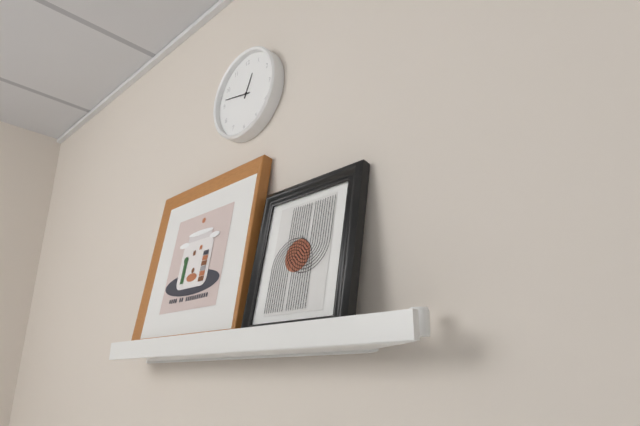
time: 12.47
